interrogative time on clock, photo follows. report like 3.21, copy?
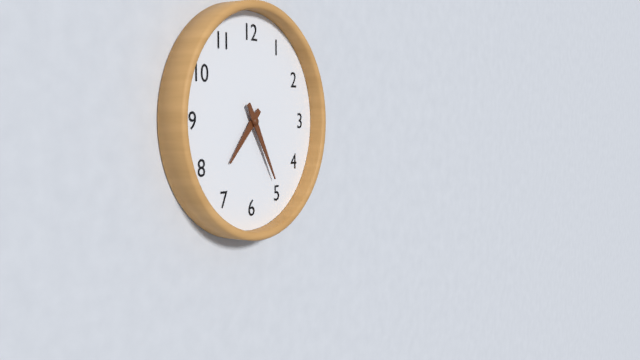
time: 7.25
